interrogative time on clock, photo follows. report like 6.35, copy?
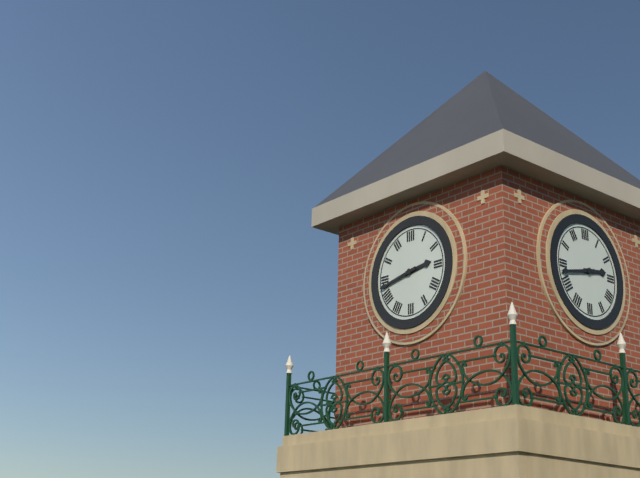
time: 2.43
